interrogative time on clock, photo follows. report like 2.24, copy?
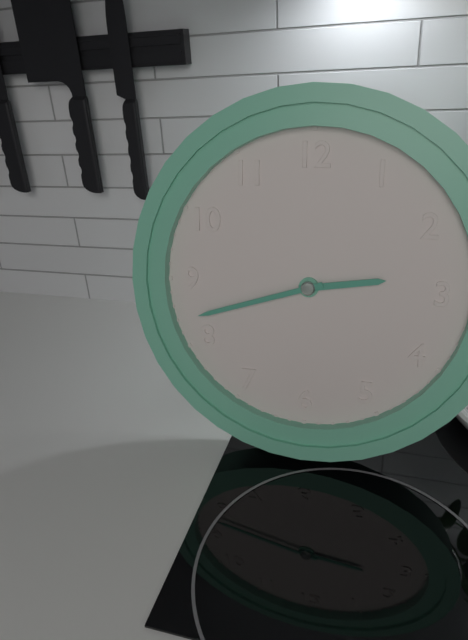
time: 2.42
